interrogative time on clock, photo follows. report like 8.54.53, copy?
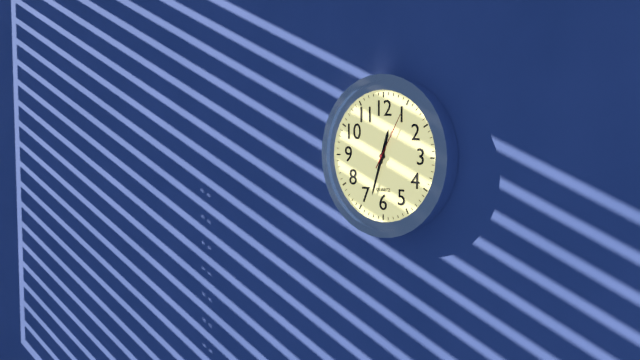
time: 12.33.05
